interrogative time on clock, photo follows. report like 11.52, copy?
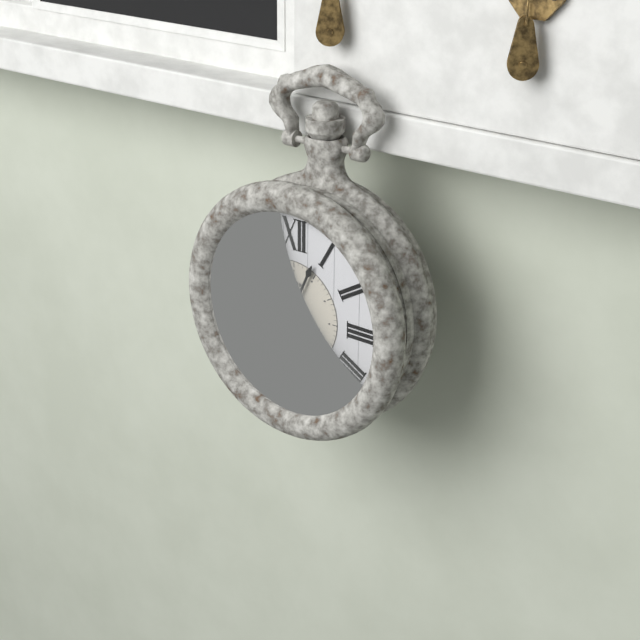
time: 8.04
